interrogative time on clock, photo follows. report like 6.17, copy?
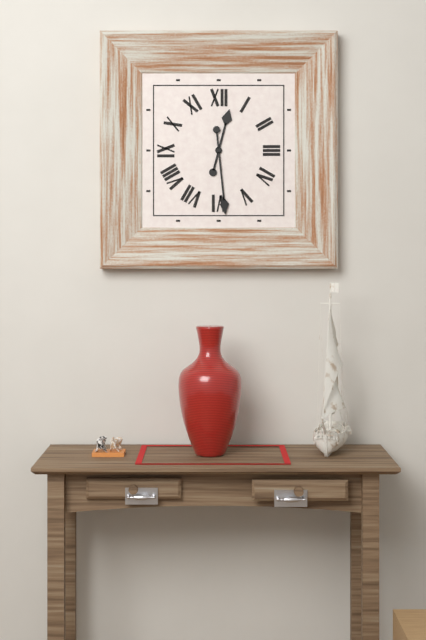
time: 12.29
